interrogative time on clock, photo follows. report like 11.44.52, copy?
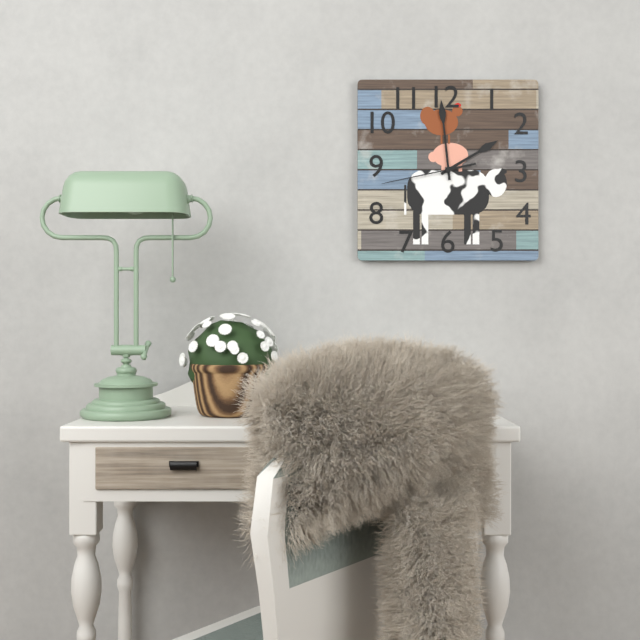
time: 1.59.43
